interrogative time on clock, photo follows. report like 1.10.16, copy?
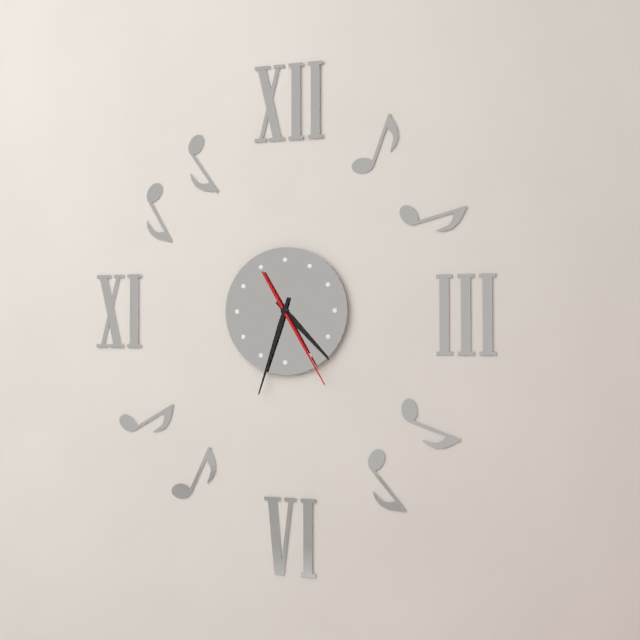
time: 4.33.25
